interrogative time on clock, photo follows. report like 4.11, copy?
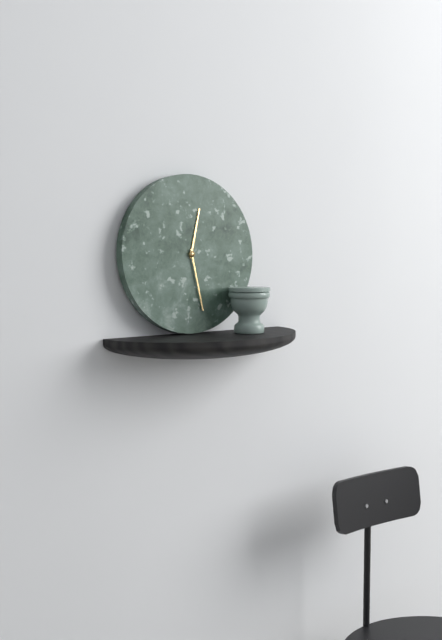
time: 12.28
